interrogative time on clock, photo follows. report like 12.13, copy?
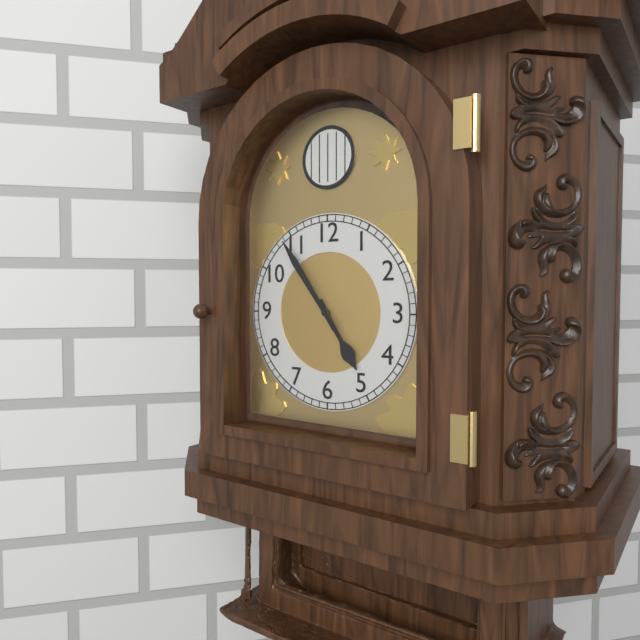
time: 4.54
